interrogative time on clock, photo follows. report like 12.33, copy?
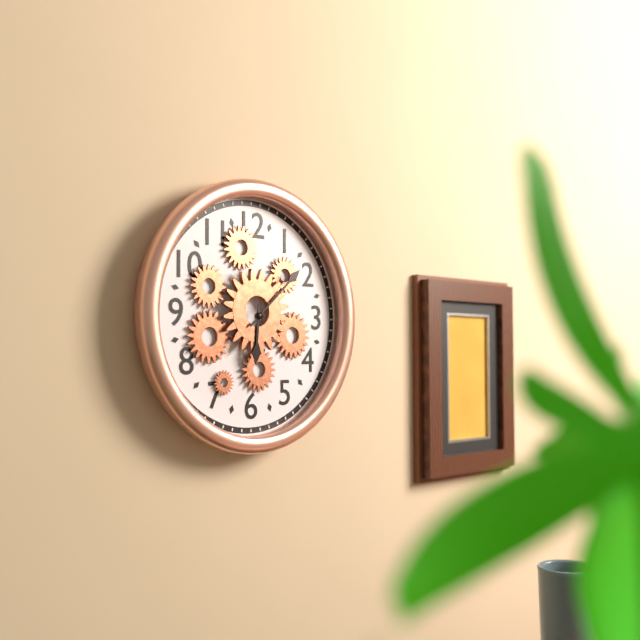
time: 6.08
